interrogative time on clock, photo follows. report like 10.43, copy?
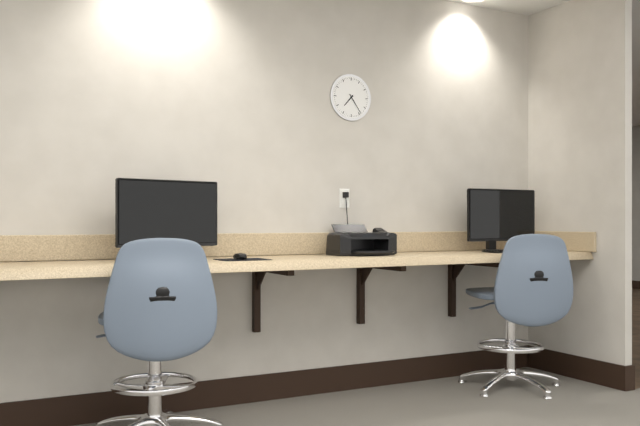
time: 7.24
